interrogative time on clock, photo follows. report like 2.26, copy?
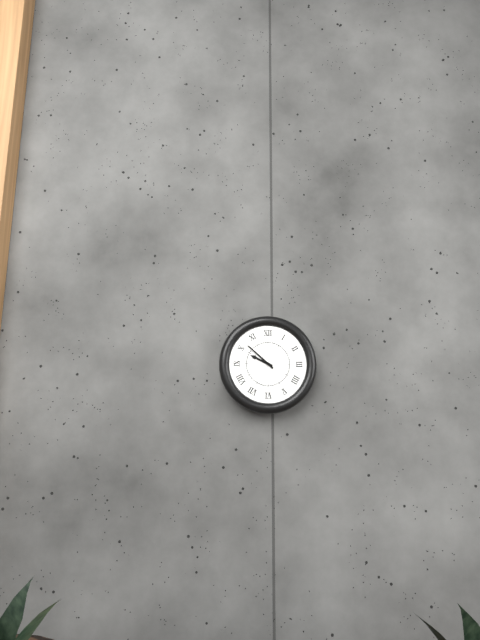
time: 9.52
